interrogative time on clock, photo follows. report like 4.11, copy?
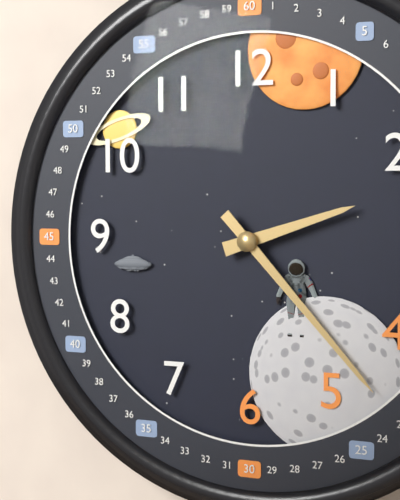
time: 2.23
